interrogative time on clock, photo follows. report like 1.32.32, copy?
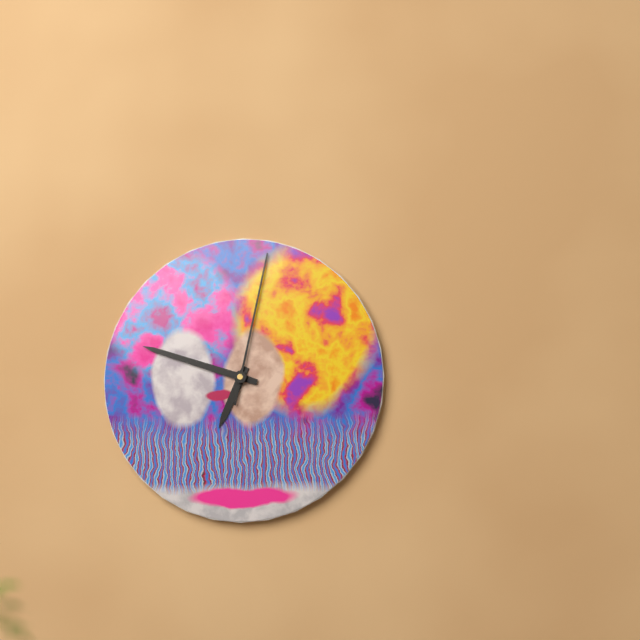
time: 6.48.02
